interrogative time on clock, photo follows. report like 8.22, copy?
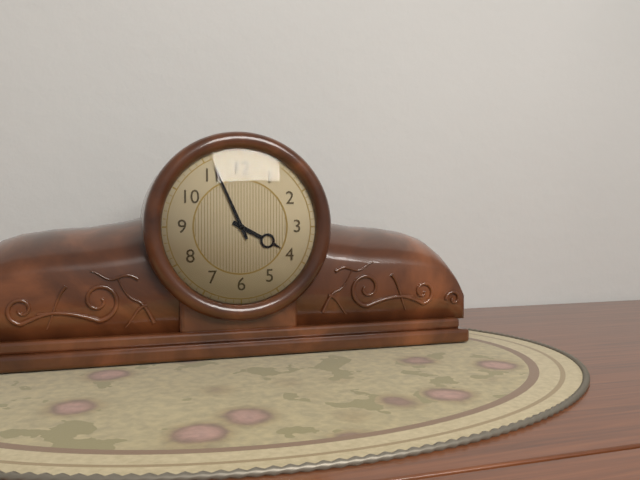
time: 3.56
